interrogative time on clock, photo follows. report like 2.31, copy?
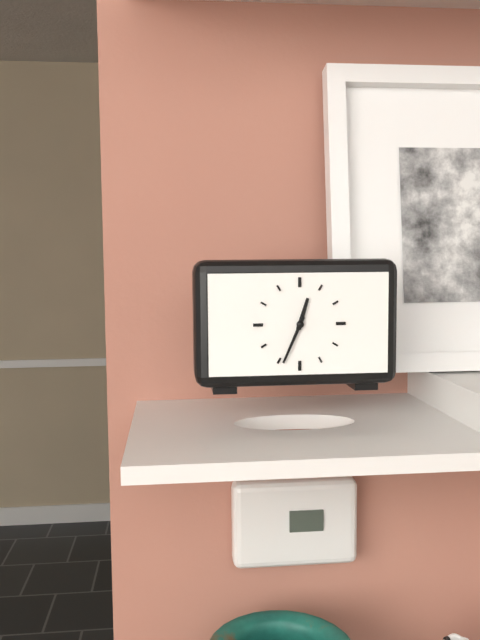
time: 12.34
